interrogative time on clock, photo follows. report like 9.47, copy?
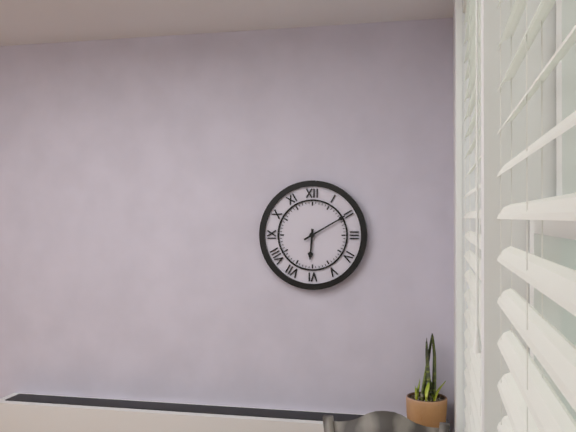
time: 6.10
